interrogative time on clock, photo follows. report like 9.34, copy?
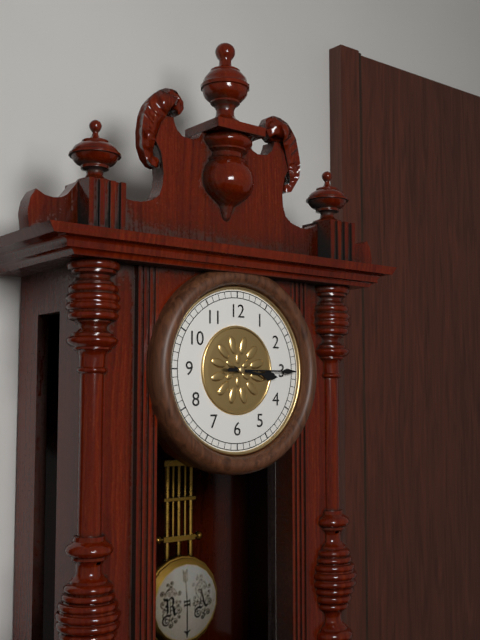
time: 3.15
